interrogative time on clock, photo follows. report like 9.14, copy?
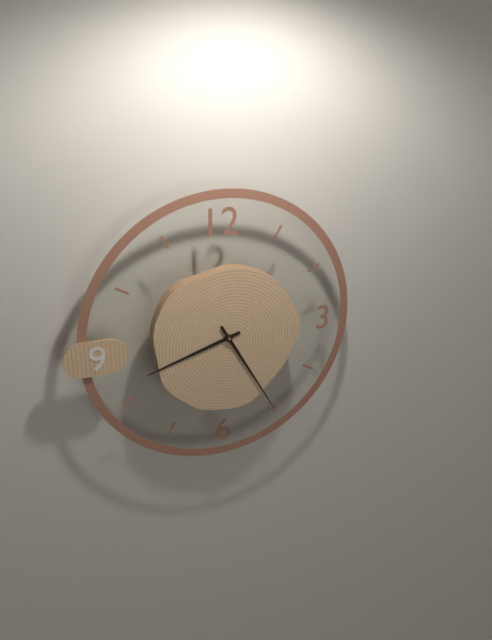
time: 8.25
